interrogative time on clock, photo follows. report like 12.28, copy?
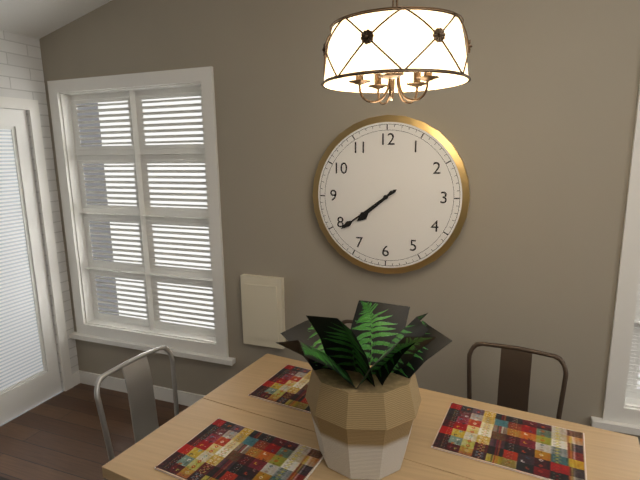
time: 7.39
